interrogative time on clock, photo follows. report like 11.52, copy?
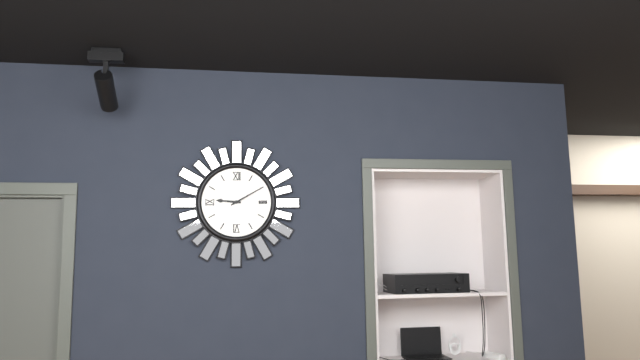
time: 9.10
